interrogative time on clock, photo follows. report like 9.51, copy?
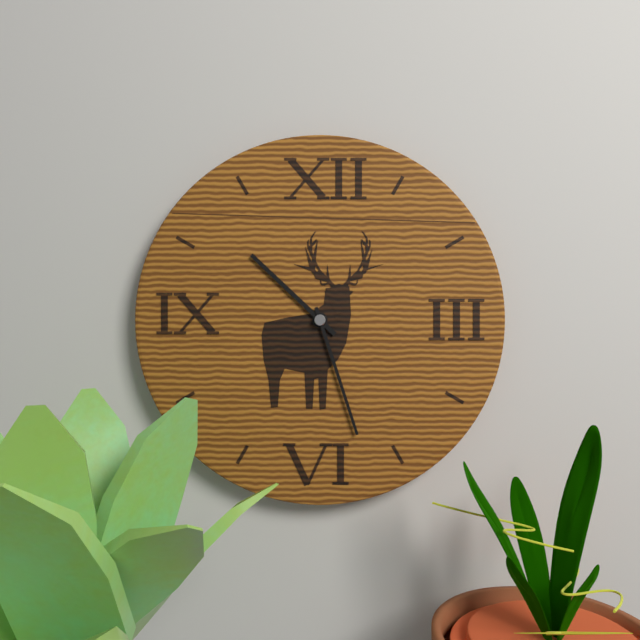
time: 10.27
